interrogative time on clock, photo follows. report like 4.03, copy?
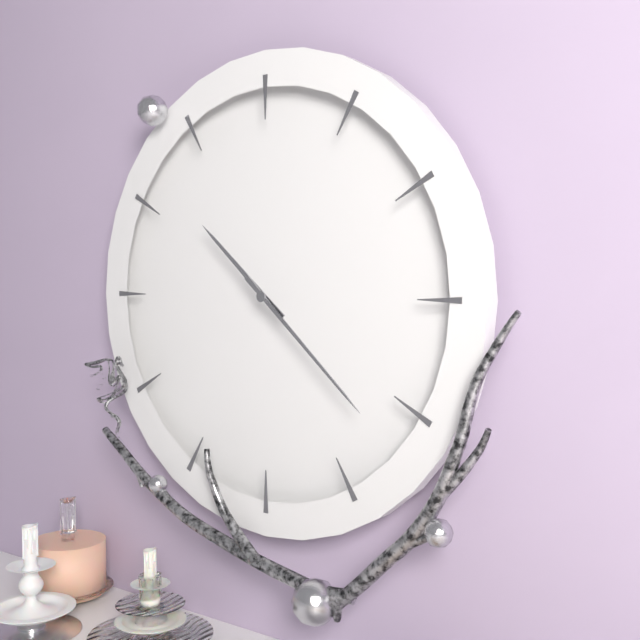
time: 10.22
